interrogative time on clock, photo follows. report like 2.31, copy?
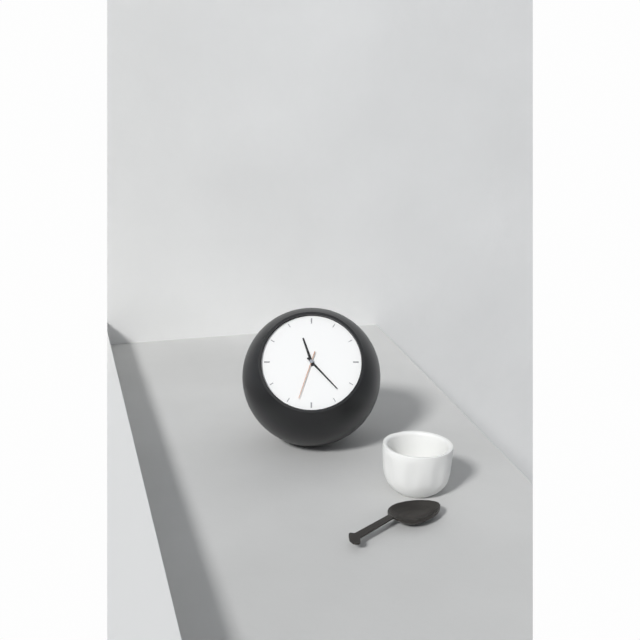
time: 11.23
